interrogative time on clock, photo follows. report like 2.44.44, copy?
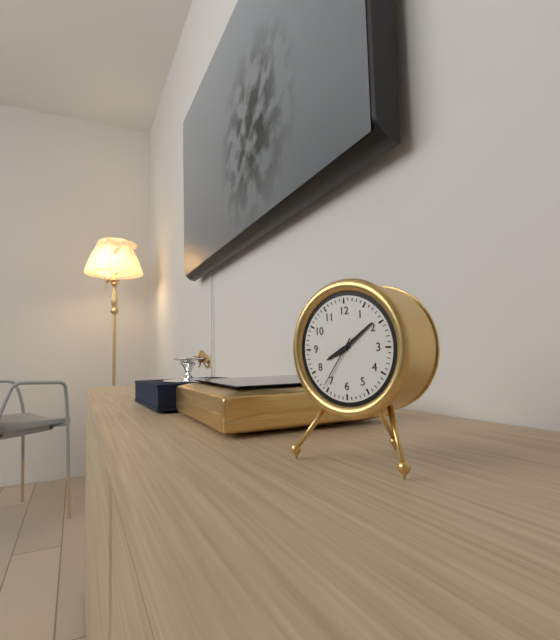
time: 8.09.36
